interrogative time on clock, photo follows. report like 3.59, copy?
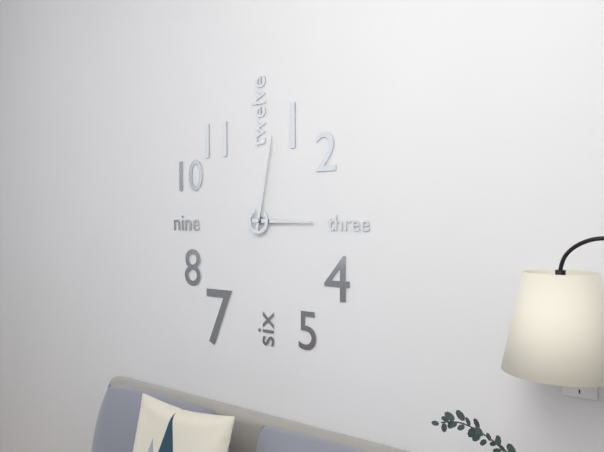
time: 3.02
